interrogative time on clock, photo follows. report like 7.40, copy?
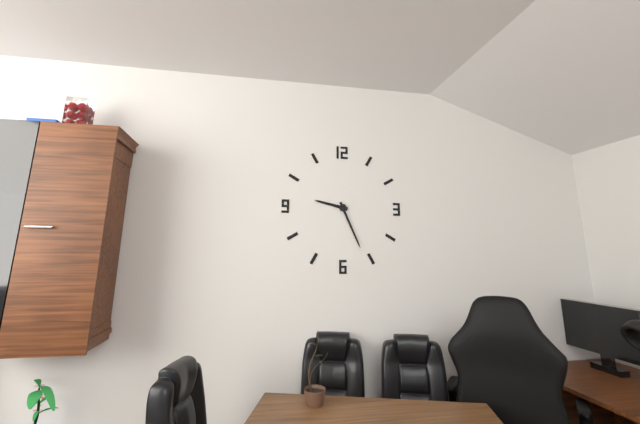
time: 9.26
